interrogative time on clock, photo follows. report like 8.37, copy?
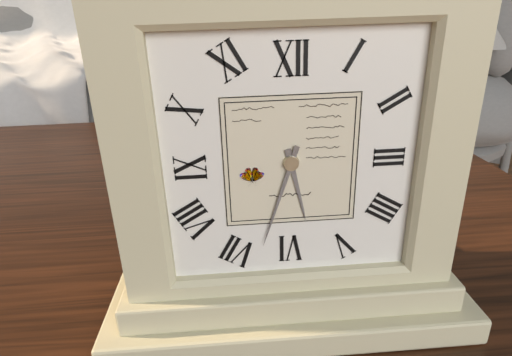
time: 5.33
